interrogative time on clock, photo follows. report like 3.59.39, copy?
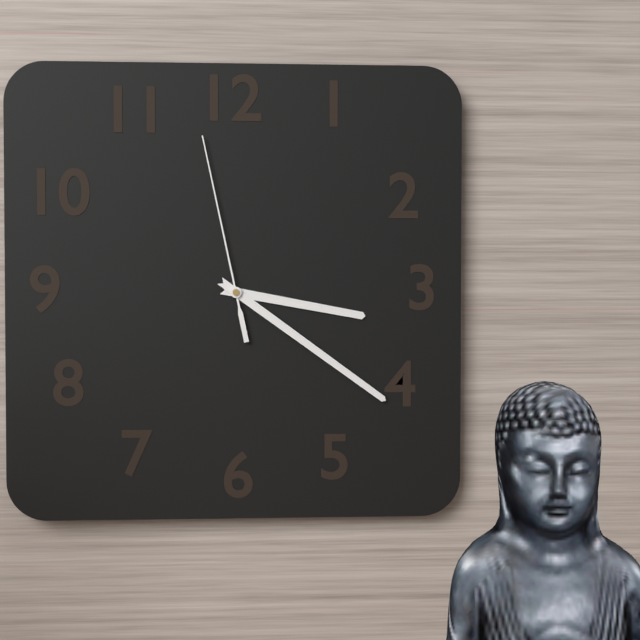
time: 3.21.58
